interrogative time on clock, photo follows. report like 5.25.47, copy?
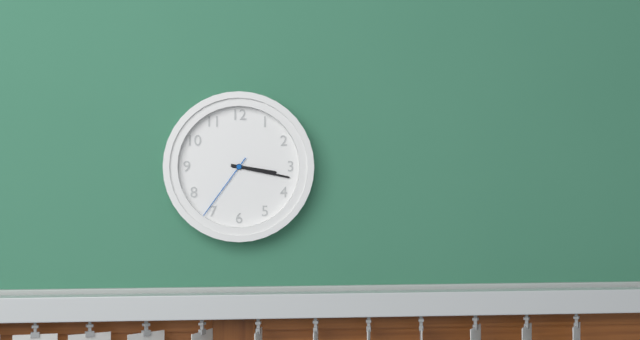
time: 3.17.36
